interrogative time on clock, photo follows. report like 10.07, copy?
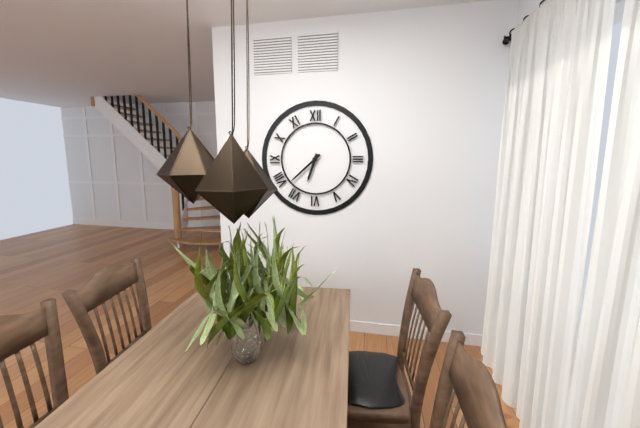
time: 6.38
